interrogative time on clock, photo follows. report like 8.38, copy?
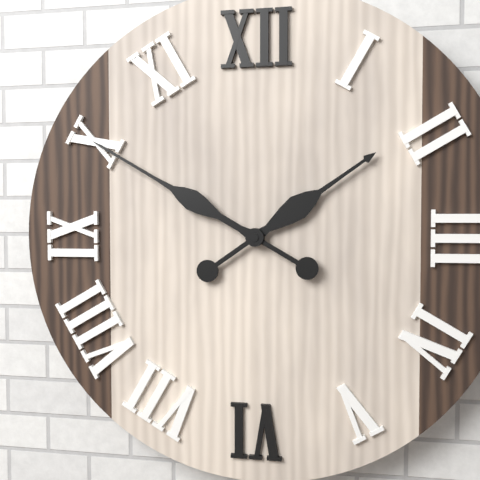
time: 1.50
